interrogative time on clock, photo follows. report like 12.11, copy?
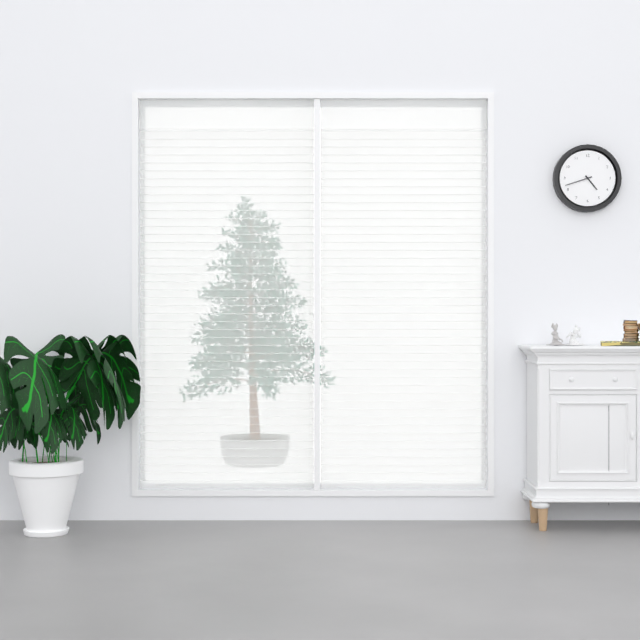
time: 4.42
